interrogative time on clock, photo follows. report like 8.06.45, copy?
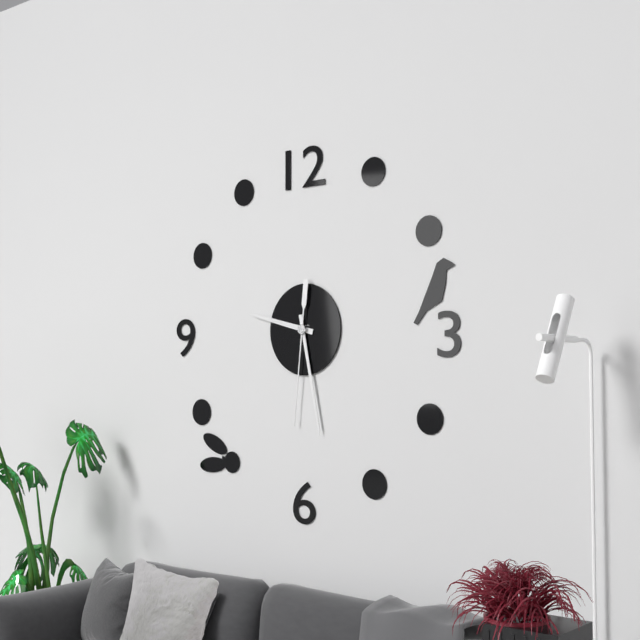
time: 9.28.31
